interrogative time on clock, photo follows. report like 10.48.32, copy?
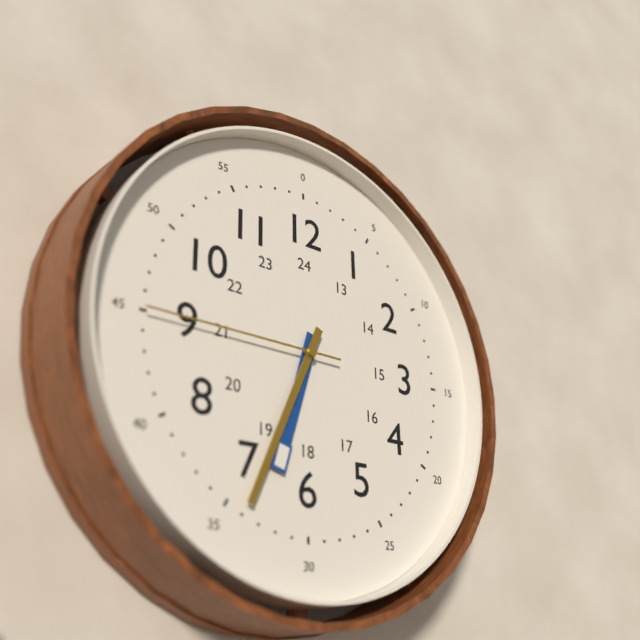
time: 6.34.45
